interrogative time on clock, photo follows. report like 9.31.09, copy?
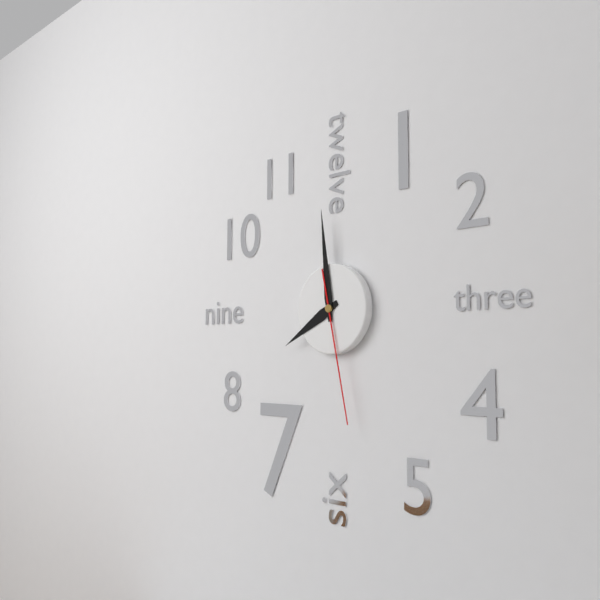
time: 7.59.28
